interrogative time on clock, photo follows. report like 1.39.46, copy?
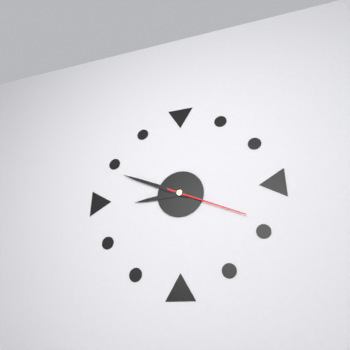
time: 8.49.19
